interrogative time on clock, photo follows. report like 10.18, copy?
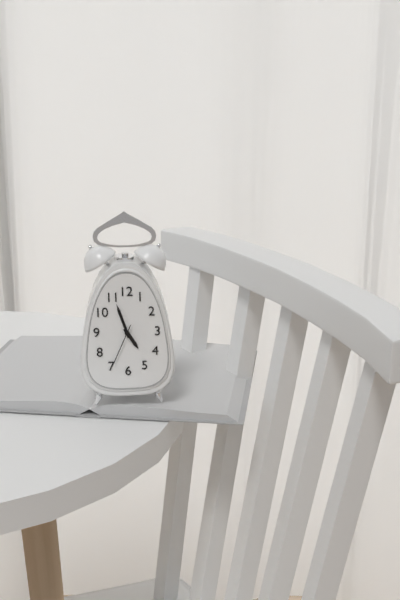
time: 4.57
